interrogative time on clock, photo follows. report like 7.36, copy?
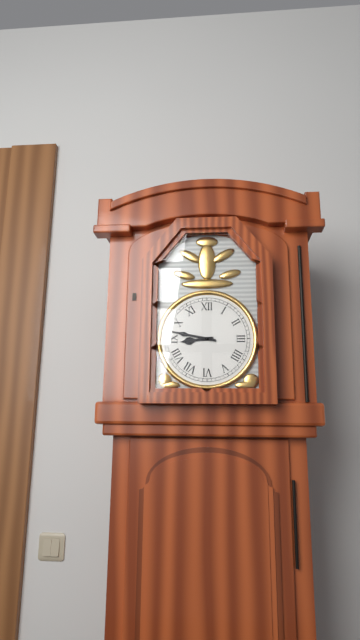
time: 8.47
